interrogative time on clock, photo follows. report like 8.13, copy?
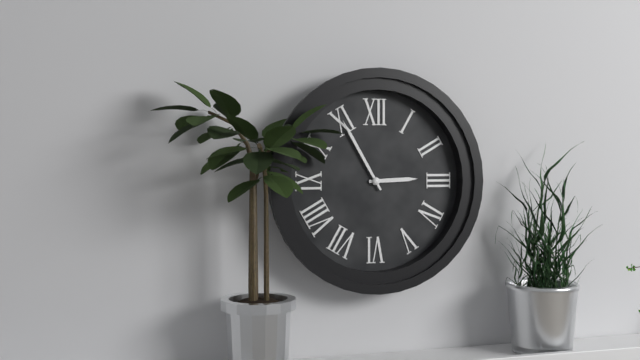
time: 2.55
